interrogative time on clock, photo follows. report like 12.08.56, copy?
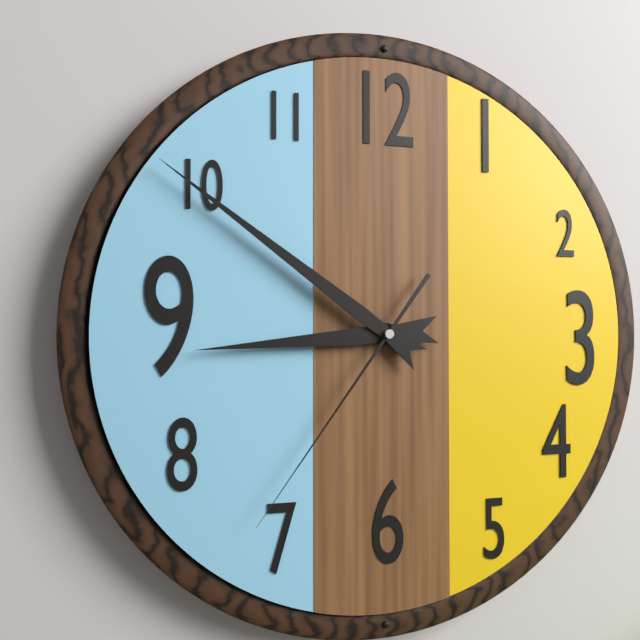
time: 8.51.36
